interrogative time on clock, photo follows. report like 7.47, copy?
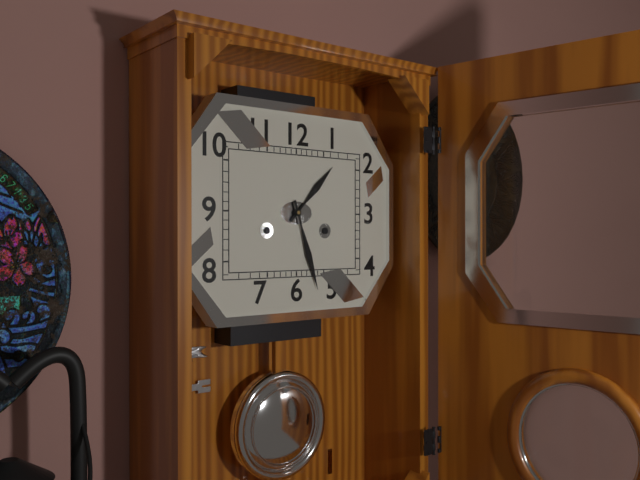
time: 1.27
